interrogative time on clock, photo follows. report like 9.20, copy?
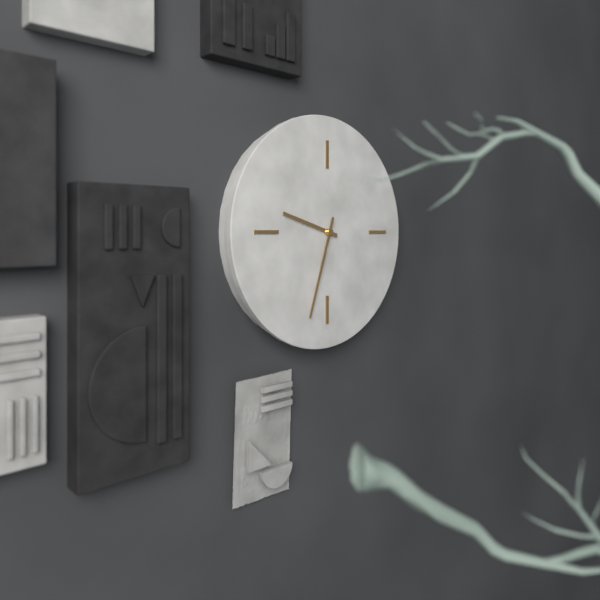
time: 9.33
